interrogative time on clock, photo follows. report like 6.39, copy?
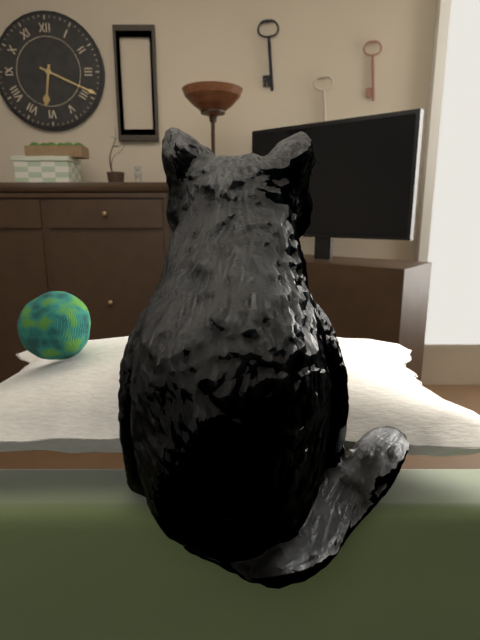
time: 6.19
